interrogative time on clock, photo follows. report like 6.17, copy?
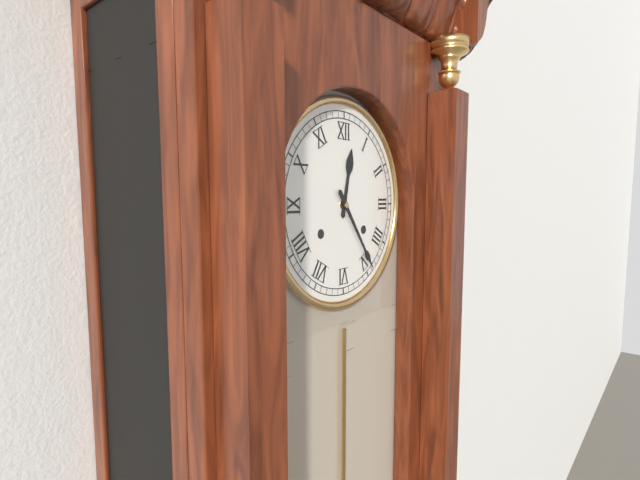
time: 12.24
